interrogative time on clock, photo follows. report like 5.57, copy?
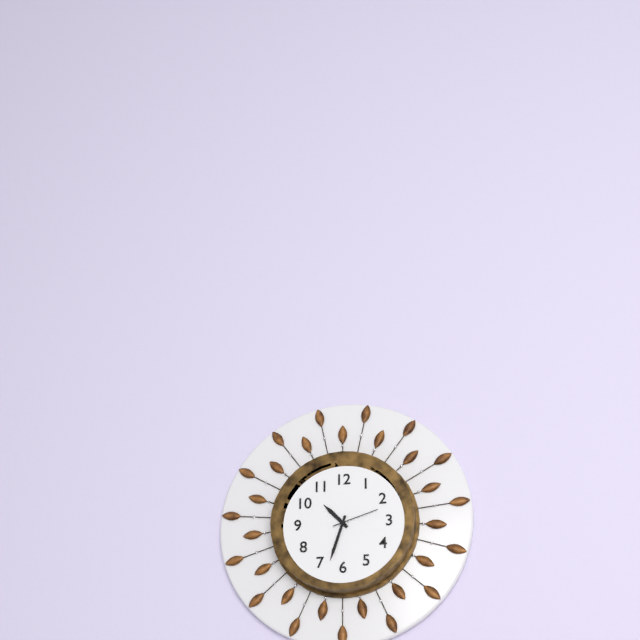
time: 10.33
